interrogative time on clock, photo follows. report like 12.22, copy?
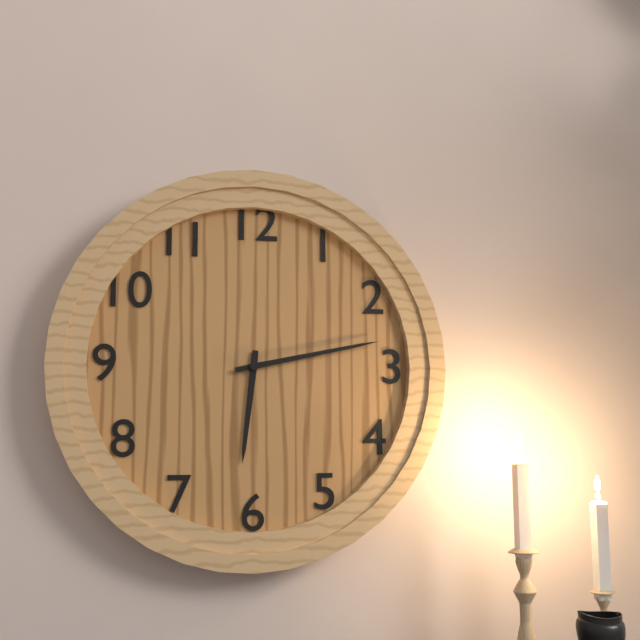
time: 6.13
